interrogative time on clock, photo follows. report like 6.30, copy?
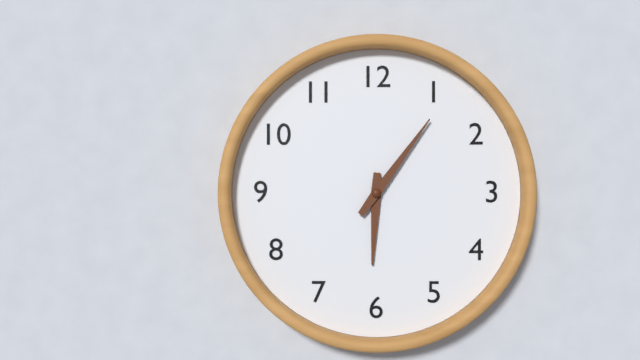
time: 6.06
